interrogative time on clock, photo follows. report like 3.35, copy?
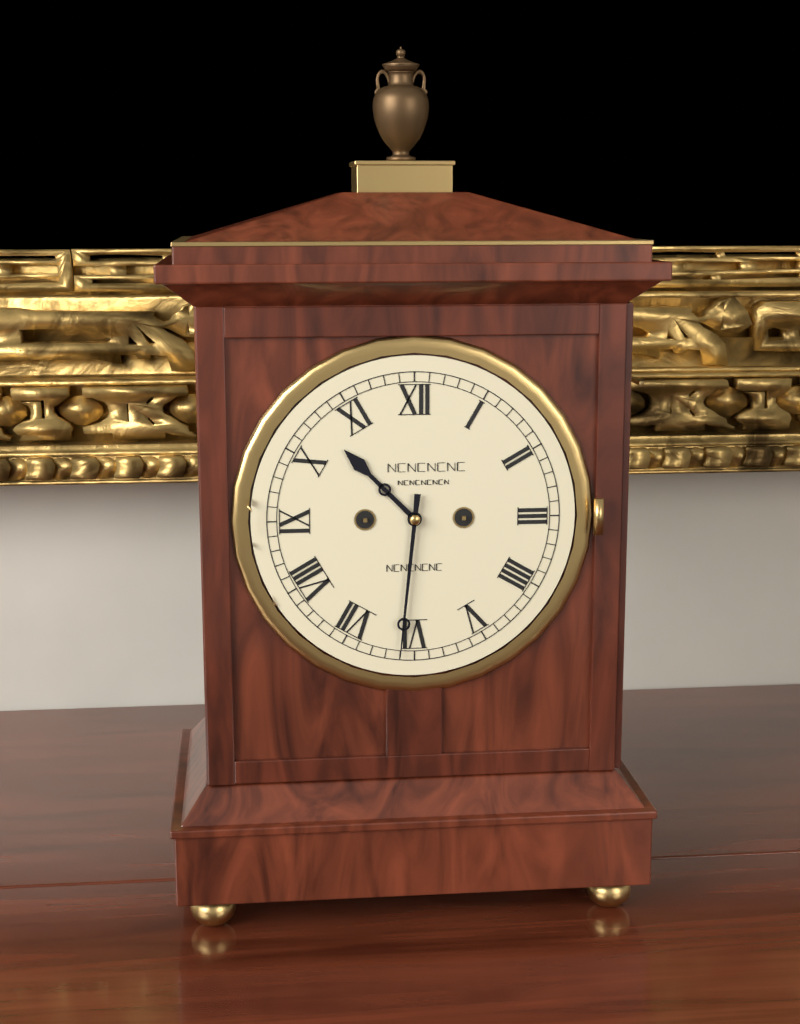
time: 10.31
